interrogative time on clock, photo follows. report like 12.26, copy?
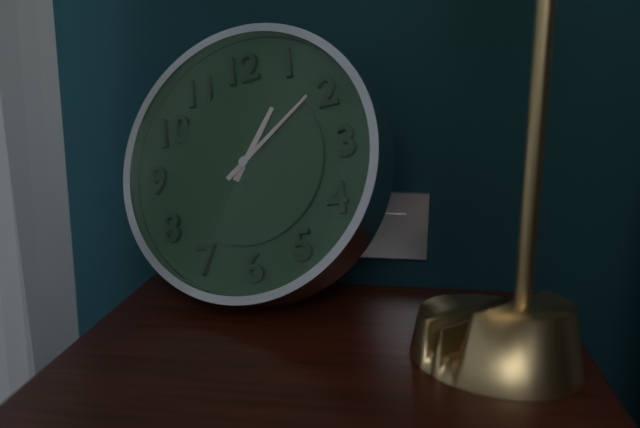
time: 1.09
